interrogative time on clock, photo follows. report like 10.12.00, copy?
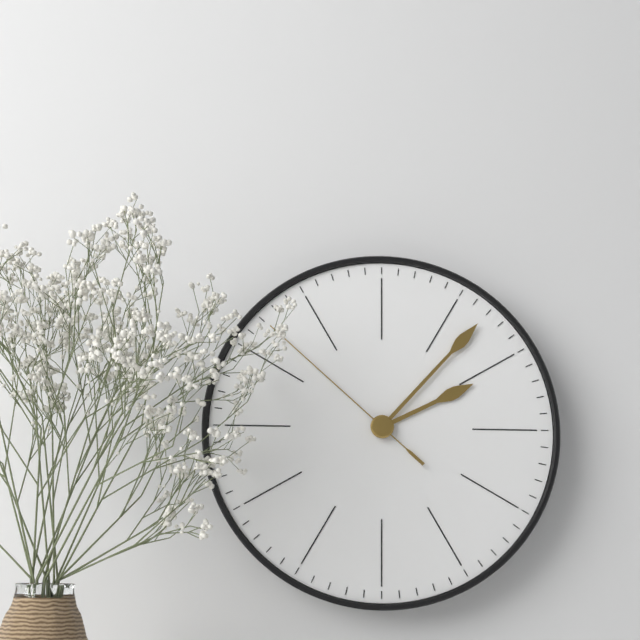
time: 2.07.52
